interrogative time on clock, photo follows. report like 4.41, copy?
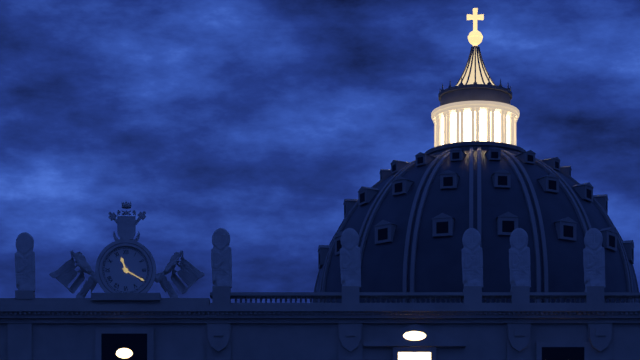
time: 11.20
